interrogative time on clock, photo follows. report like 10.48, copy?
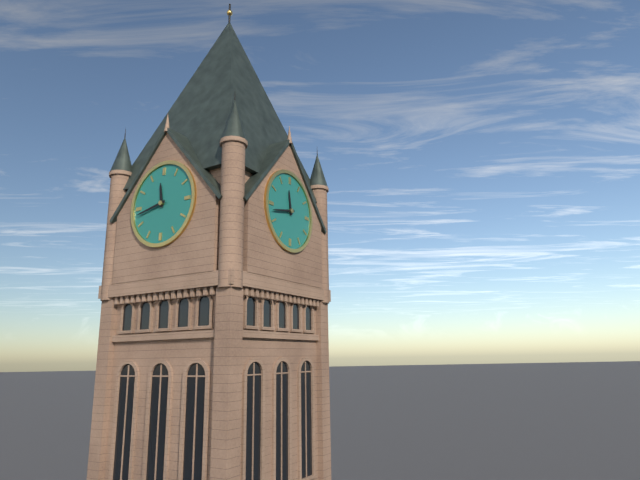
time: 11.43
